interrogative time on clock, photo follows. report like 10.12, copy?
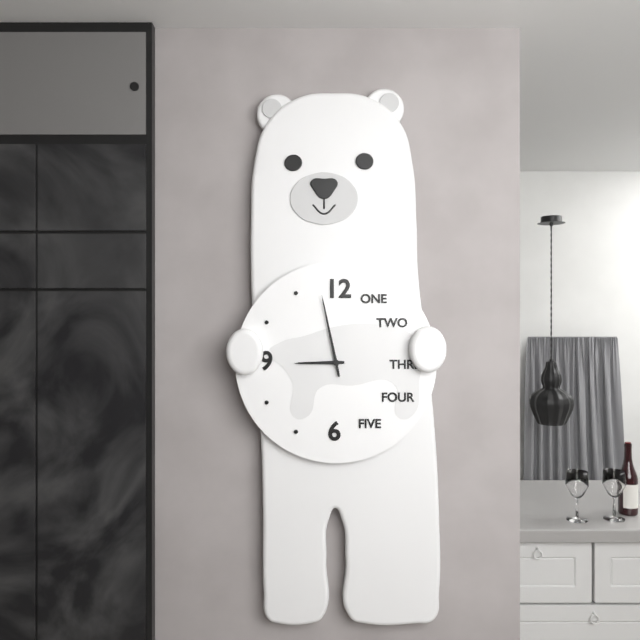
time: 8.58
